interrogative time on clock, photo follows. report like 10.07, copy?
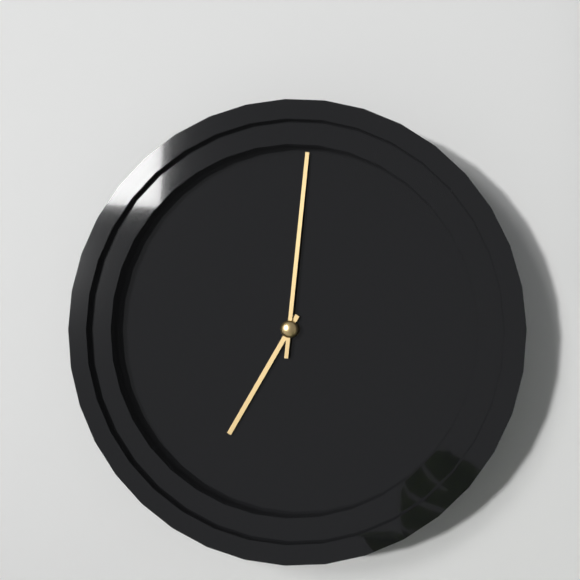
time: 7.01
